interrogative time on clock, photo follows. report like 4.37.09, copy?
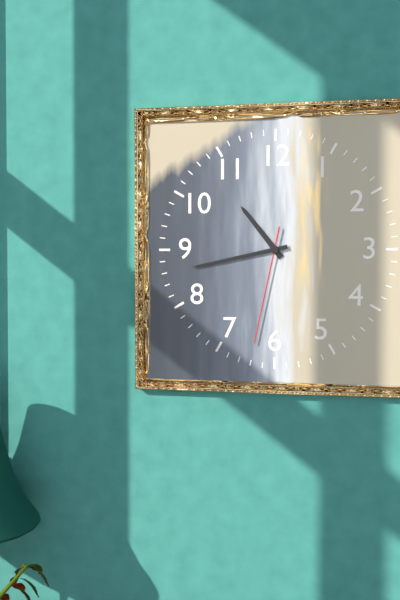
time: 10.43.32
